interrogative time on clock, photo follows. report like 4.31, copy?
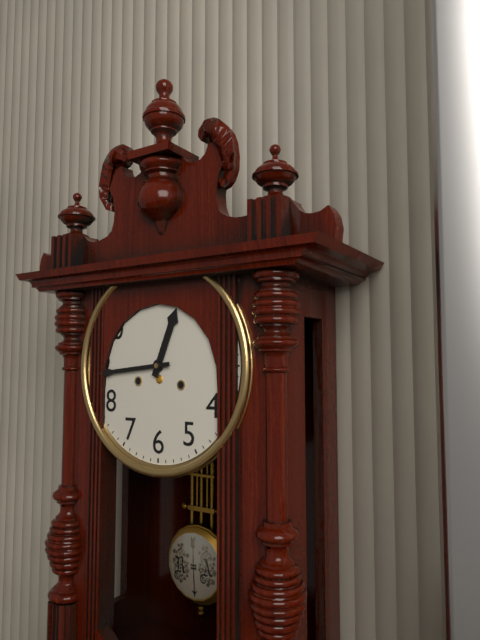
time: 12.44
